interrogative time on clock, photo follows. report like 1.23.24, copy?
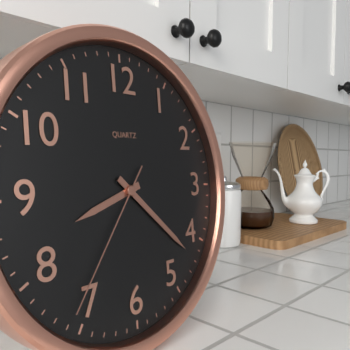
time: 8.22.36
